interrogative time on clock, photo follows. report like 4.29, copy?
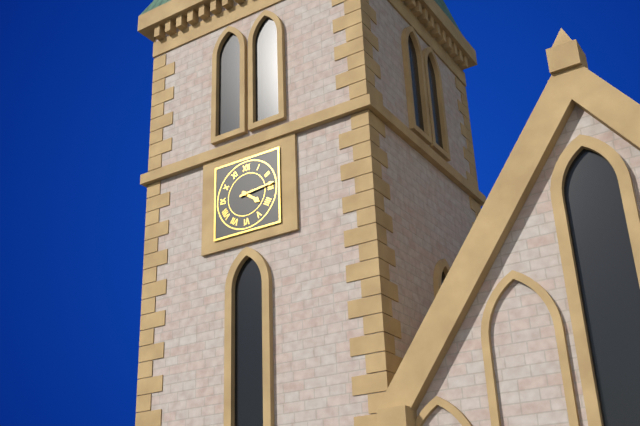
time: 4.14
